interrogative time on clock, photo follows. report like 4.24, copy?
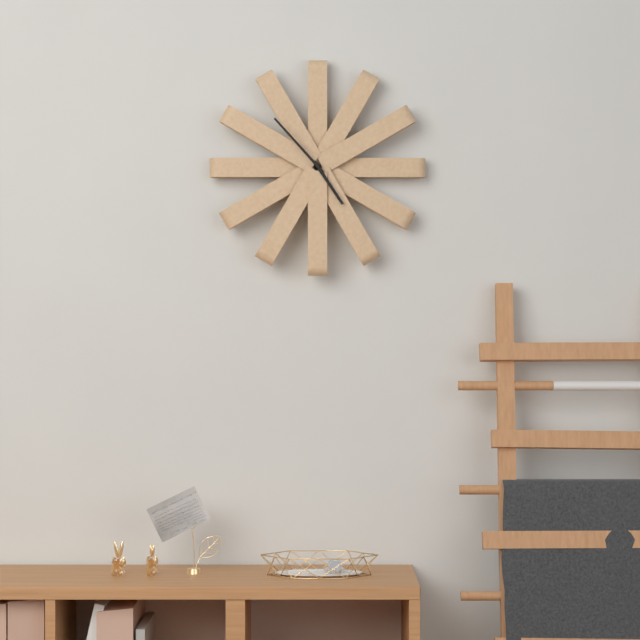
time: 4.53
